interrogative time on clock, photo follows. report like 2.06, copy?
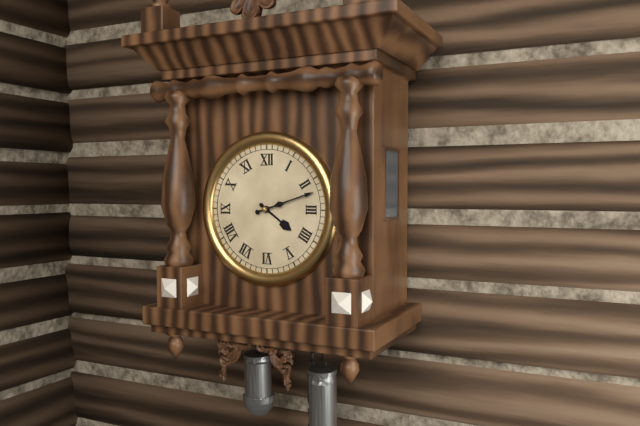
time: 4.12
